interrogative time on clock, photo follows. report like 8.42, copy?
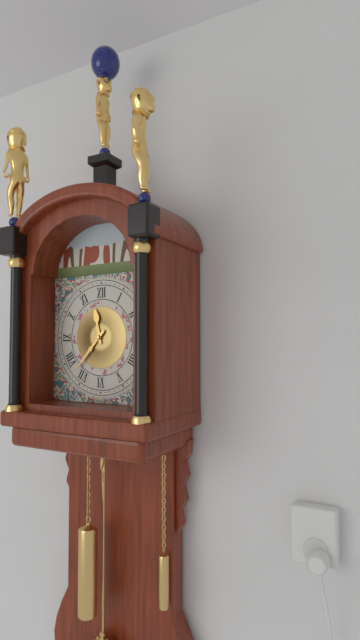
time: 11.37
